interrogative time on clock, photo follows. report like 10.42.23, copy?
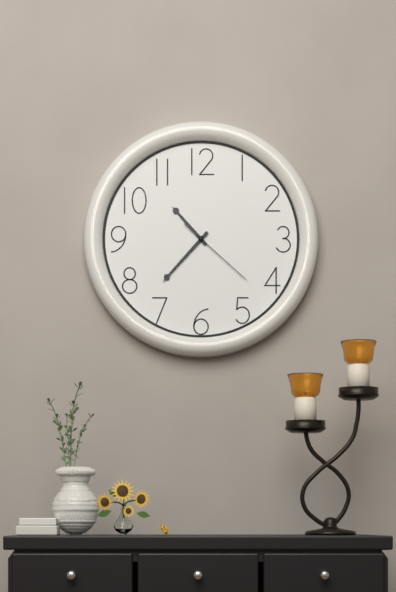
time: 10.37.22
